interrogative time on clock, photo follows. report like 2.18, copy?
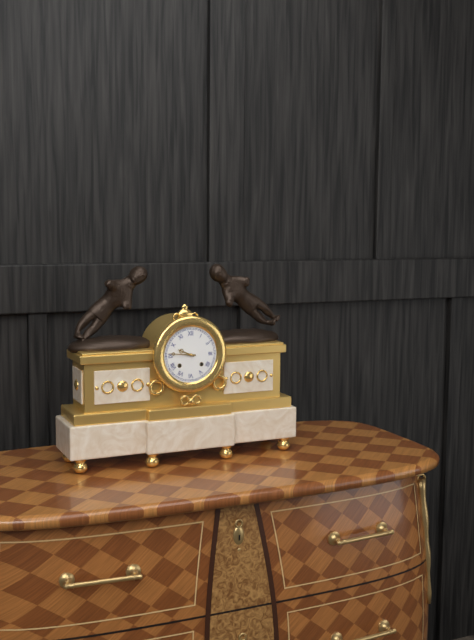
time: 9.46
